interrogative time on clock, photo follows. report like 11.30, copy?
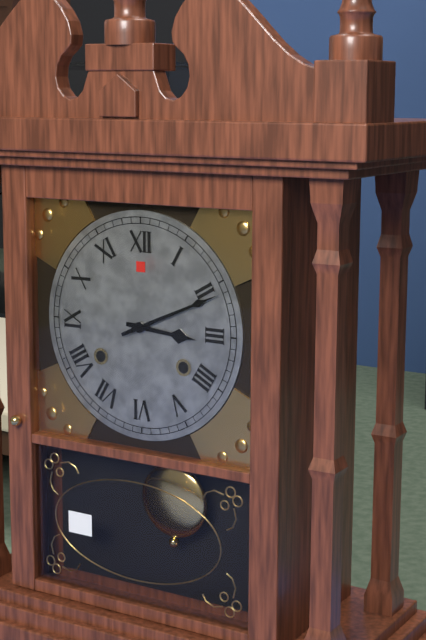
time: 3.11
